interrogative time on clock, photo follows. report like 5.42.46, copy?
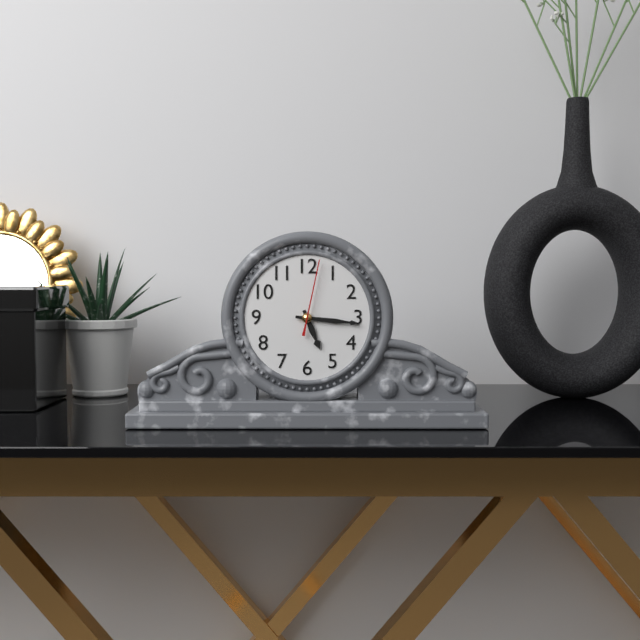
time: 5.16.02
